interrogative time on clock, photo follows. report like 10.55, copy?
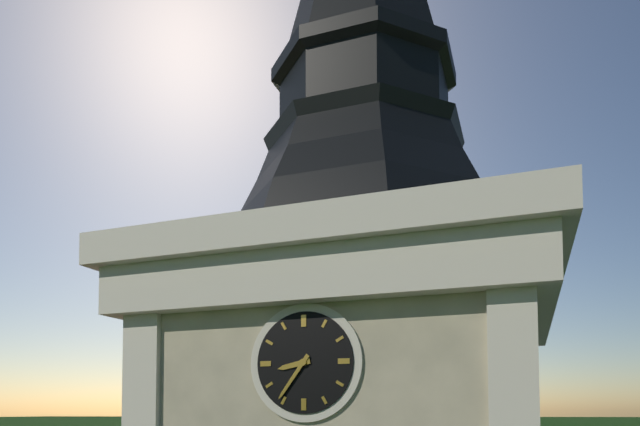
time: 8.36
